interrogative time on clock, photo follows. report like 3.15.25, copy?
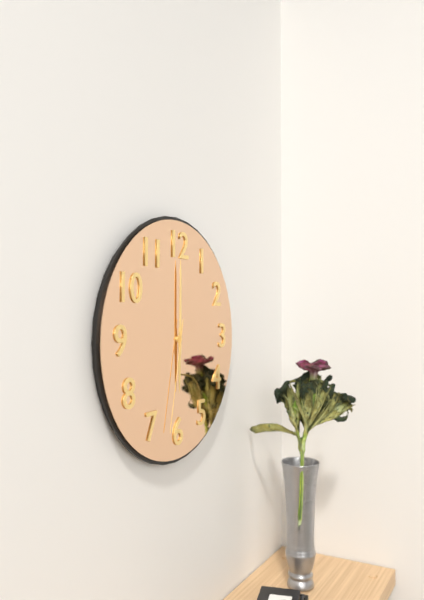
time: 6.00.32
